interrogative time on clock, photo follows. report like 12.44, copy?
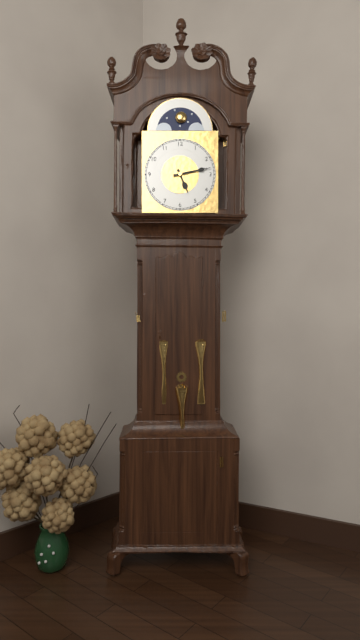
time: 5.13
